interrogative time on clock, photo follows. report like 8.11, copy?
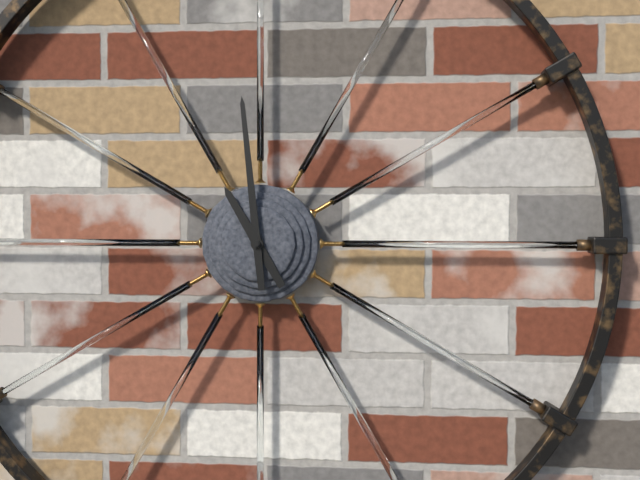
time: 10.59
